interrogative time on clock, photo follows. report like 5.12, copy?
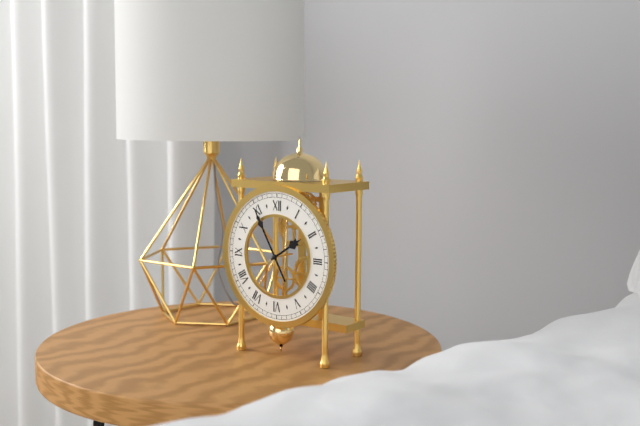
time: 1.55
